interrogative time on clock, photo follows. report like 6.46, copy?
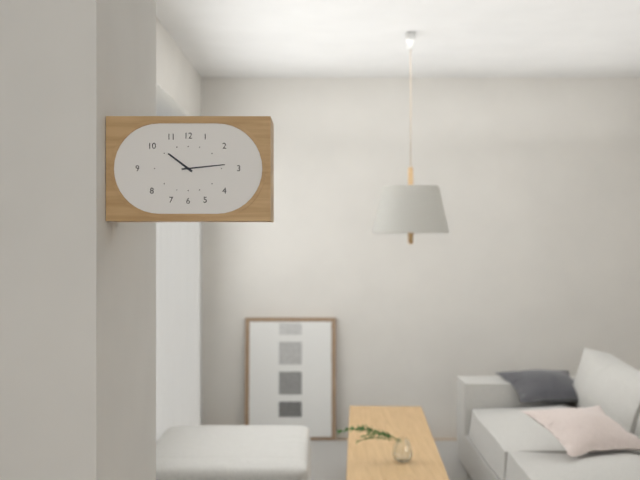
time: 10.14
